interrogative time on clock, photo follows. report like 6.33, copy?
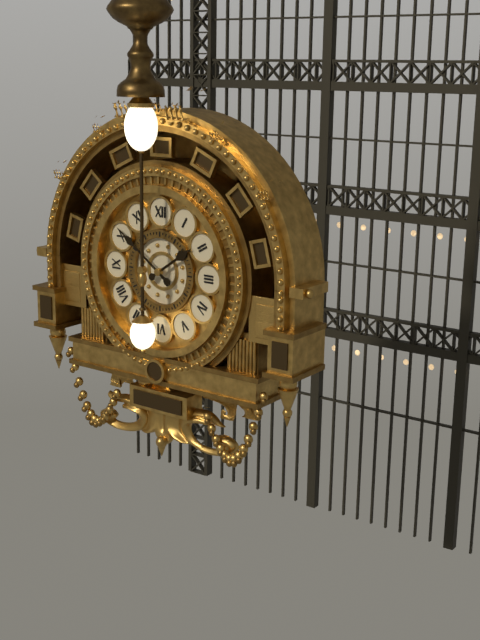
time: 1.51
